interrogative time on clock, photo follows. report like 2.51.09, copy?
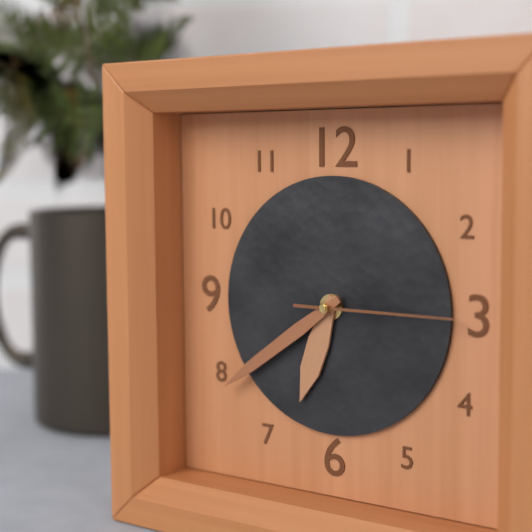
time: 6.39.15
